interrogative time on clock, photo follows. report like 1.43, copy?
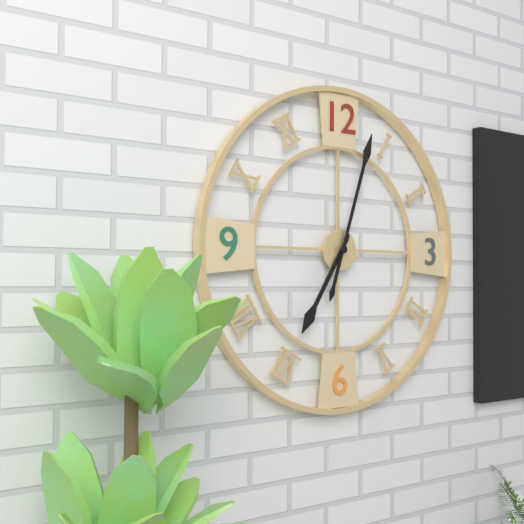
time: 7.03
